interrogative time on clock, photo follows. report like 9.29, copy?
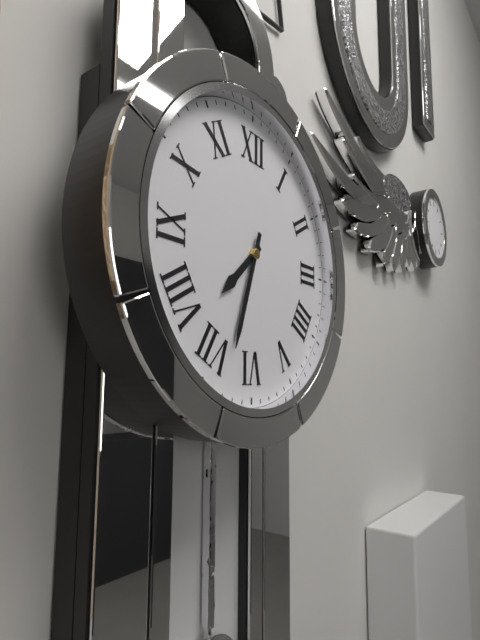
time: 7.33
